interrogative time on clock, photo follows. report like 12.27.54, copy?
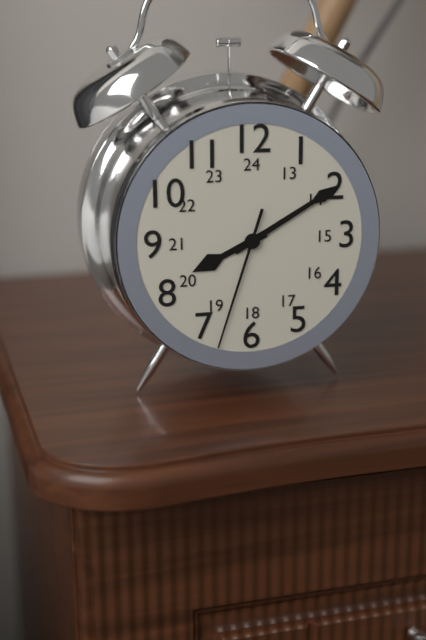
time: 8.10.33
